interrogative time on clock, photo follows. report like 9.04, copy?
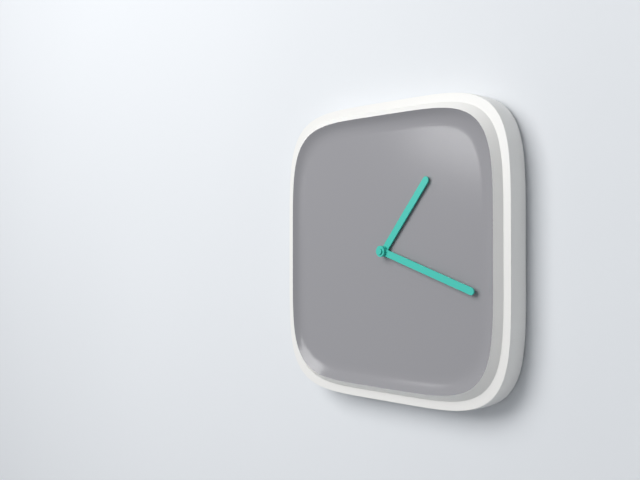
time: 1.18
